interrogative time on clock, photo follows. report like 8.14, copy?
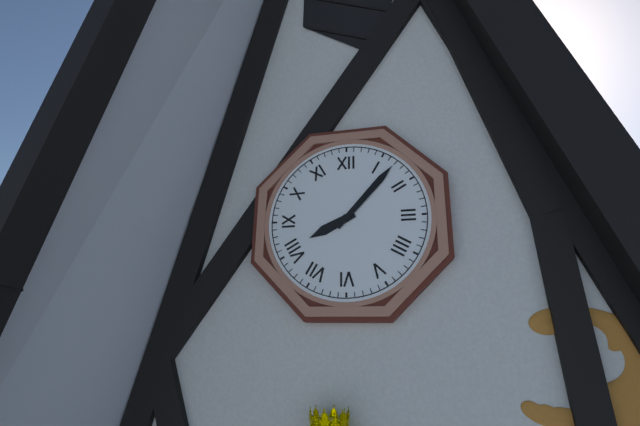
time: 8.07
